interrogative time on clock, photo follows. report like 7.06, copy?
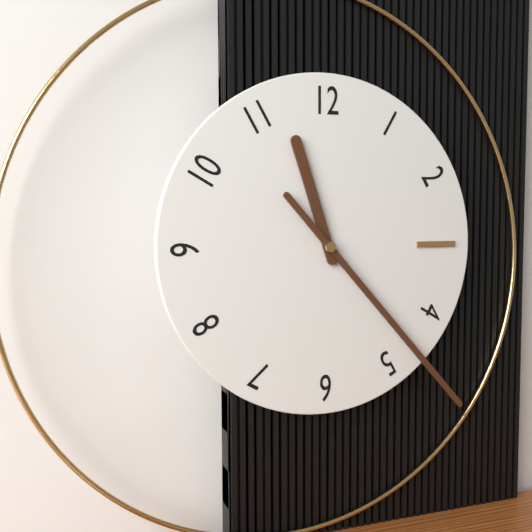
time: 11.23
